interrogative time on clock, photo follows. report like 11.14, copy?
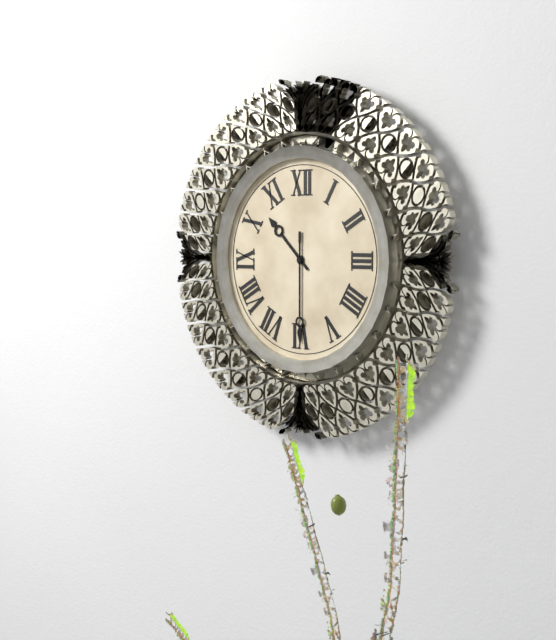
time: 10.30
